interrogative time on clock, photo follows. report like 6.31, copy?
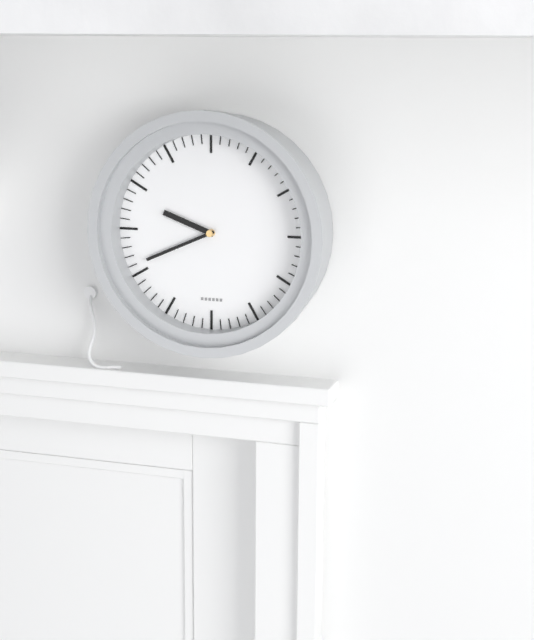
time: 9.41
